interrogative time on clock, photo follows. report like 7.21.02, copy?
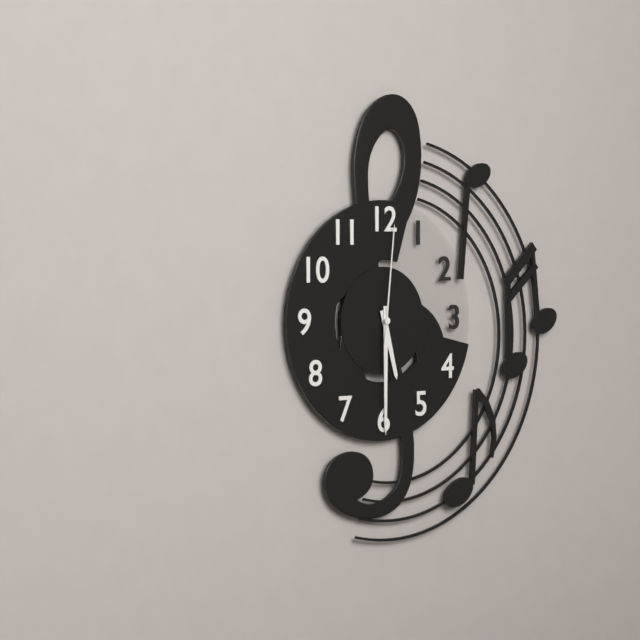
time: 5.30.01
